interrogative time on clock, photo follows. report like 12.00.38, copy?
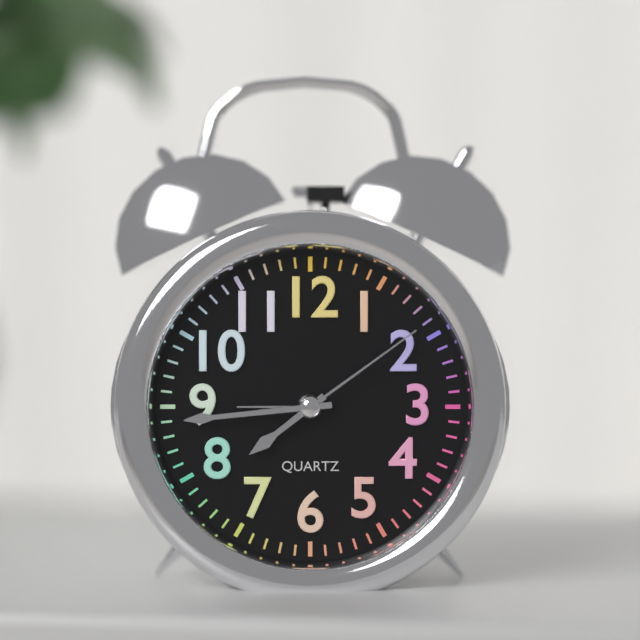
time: 7.44.09
